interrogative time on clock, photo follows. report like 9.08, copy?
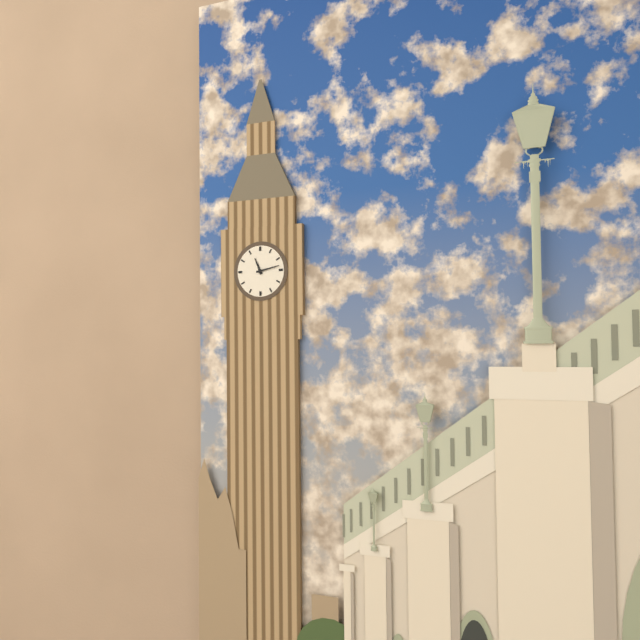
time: 11.13
